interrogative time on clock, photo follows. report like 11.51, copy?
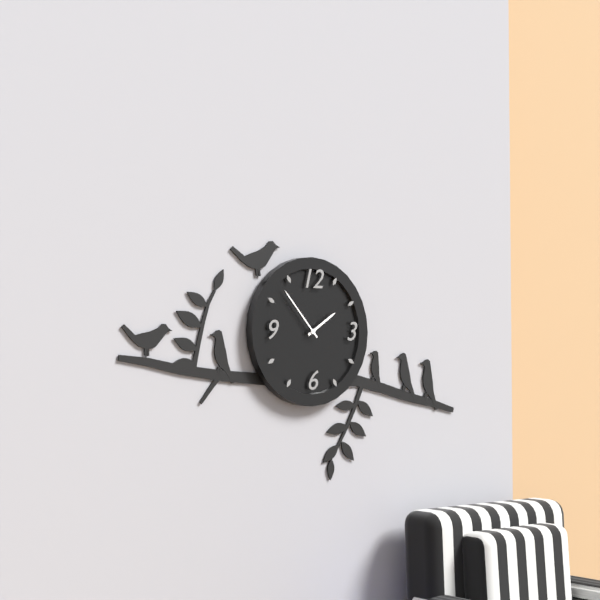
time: 1.53
